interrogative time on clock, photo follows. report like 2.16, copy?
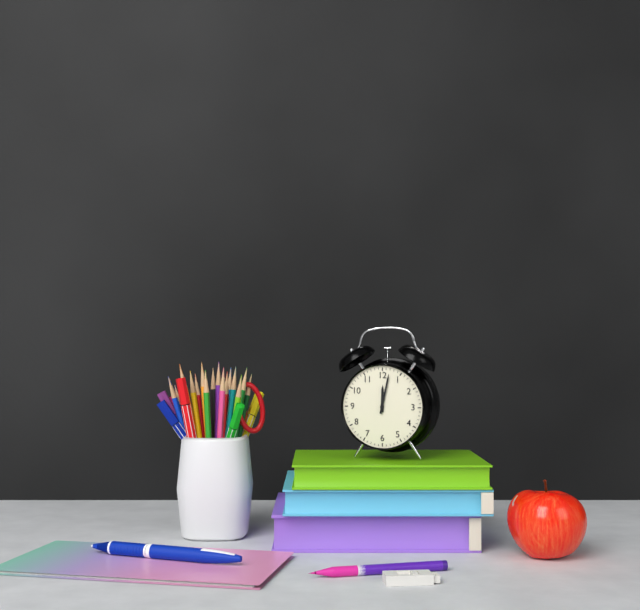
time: 12.02
